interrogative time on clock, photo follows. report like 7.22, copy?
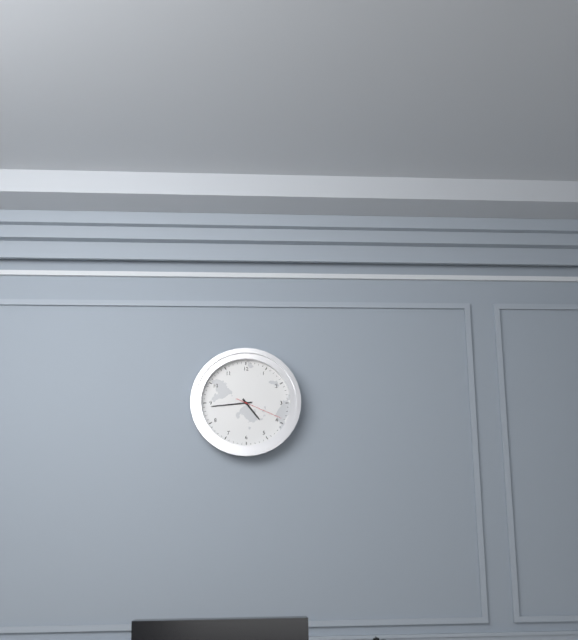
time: 4.44
